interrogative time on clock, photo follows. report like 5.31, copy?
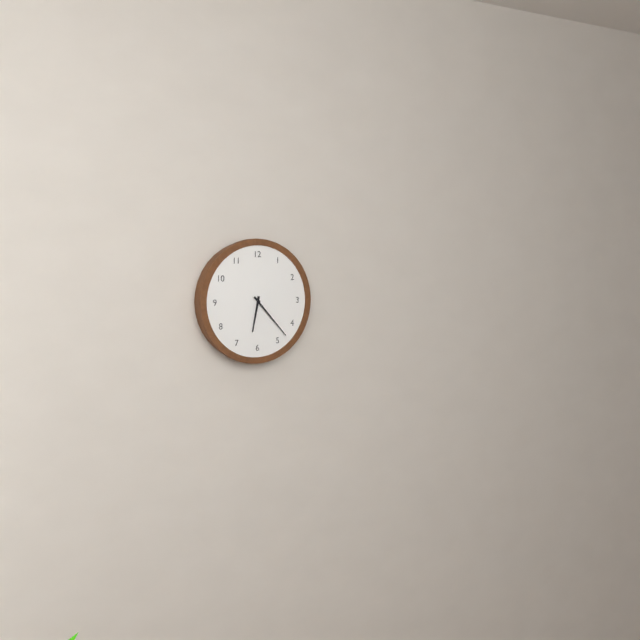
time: 6.23
